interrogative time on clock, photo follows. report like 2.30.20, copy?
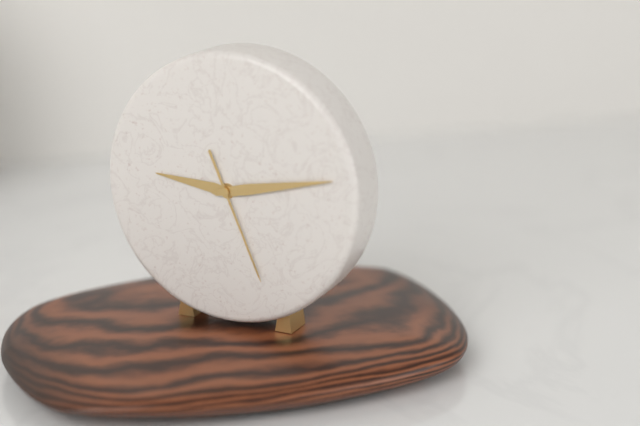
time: 9.13.26
